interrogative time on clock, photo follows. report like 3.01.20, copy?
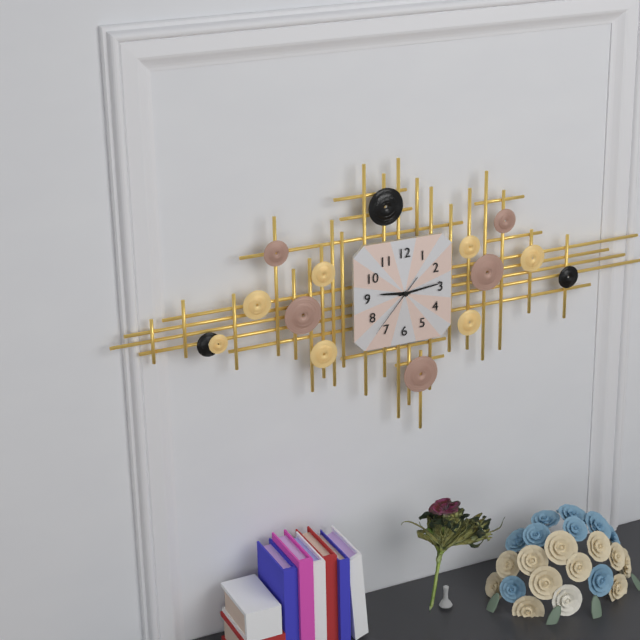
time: 9.14.37
